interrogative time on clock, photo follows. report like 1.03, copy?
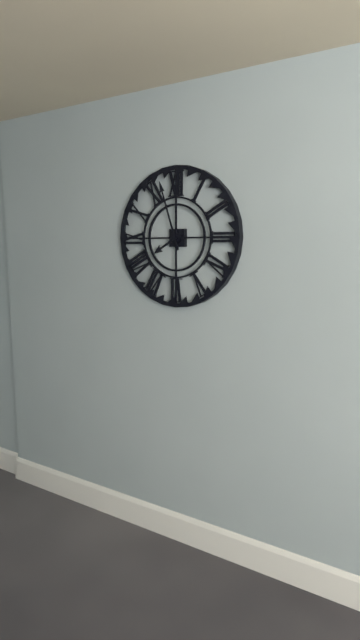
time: 7.57
